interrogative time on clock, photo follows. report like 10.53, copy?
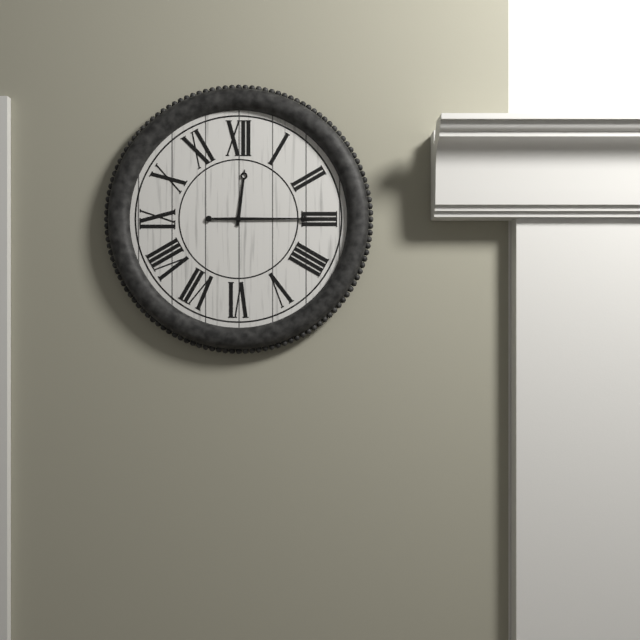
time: 12.15
